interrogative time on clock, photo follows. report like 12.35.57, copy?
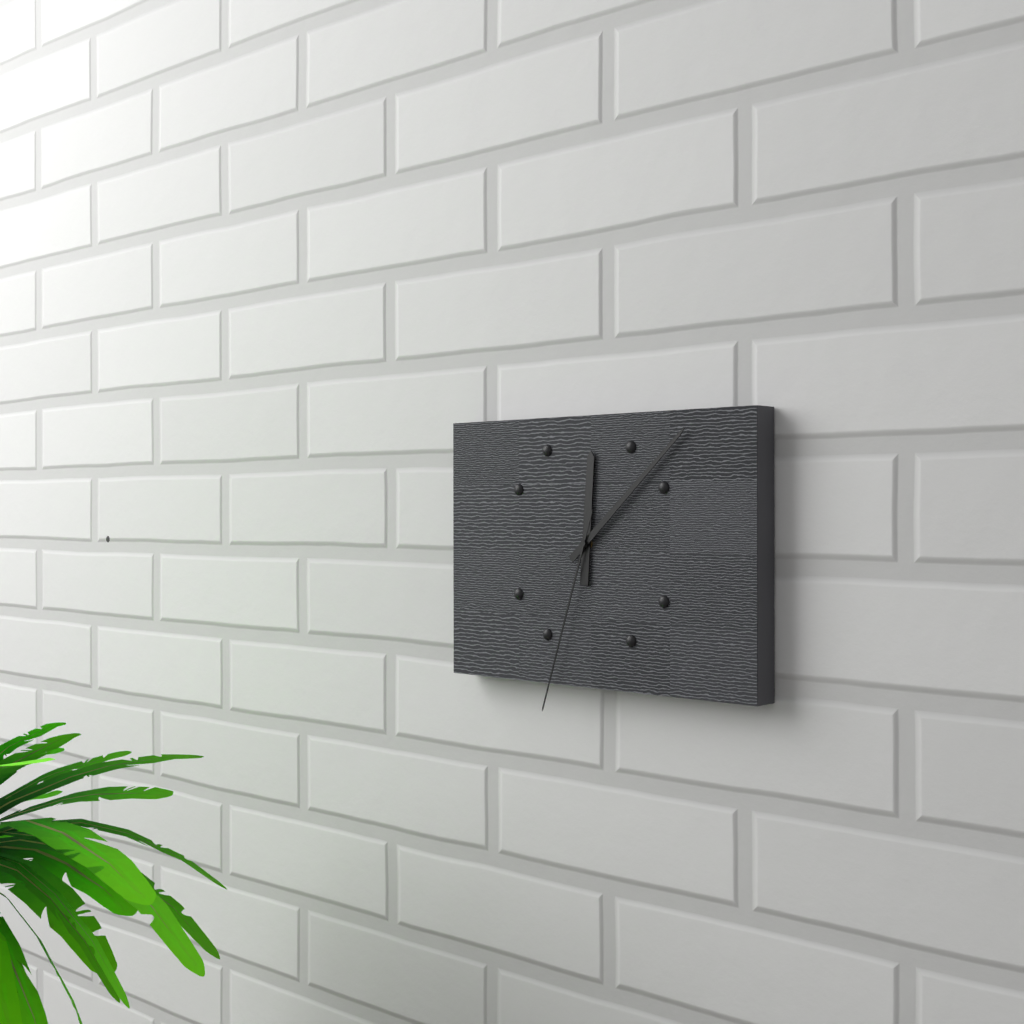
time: 12.08.33
